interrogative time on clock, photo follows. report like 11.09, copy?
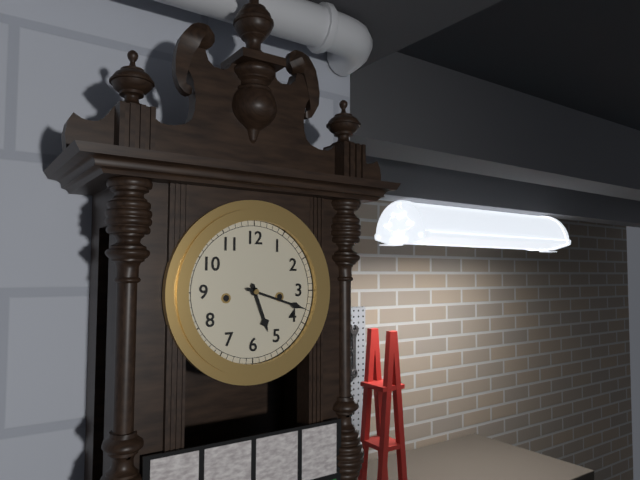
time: 5.18
